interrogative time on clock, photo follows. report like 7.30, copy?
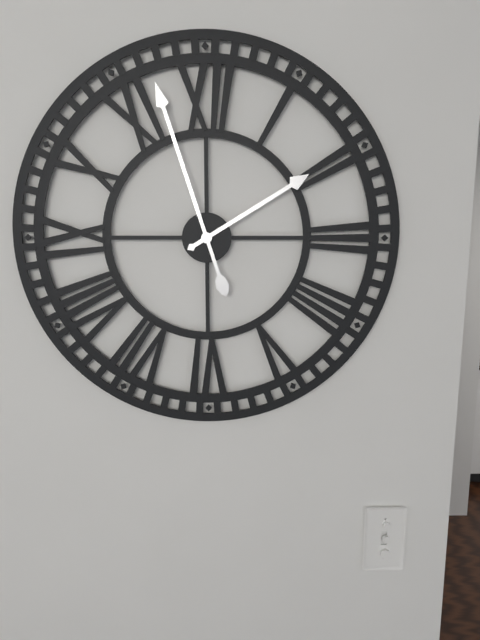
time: 1.57
